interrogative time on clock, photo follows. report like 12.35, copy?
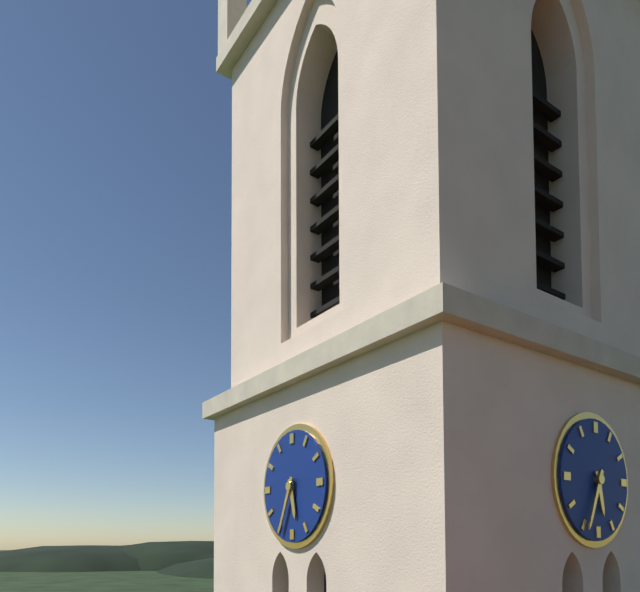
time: 5.34
